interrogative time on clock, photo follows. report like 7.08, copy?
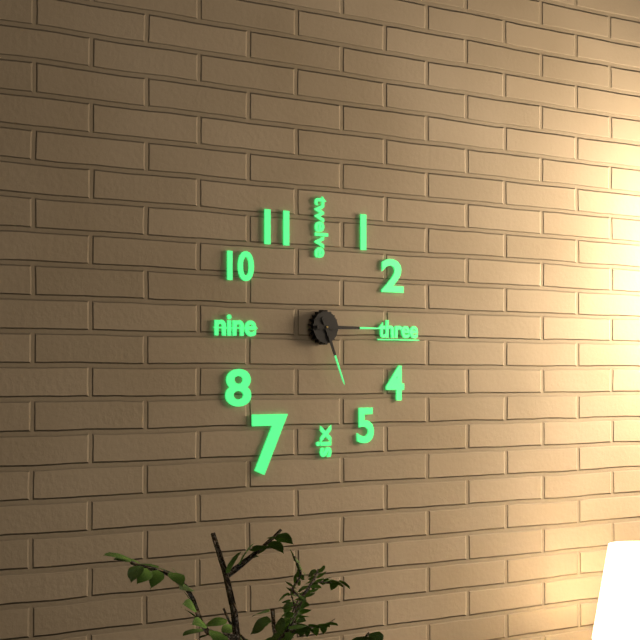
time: 5.15
